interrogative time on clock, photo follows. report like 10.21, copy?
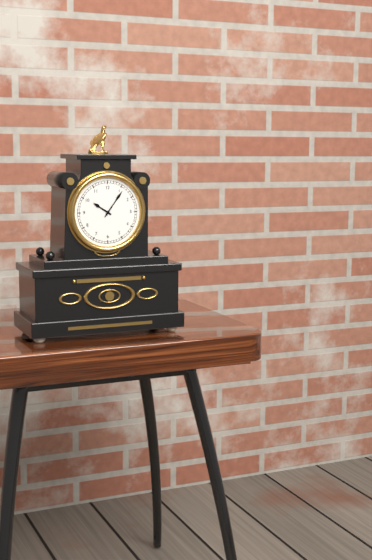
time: 10.06
